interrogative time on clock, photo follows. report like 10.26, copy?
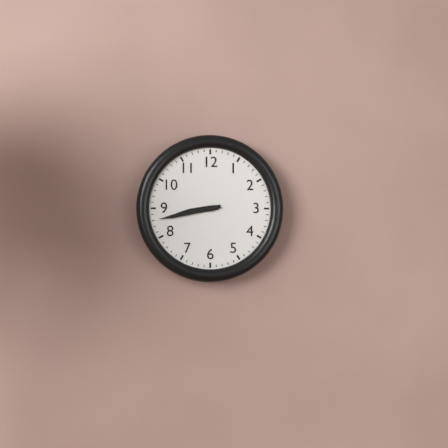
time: 8.43
